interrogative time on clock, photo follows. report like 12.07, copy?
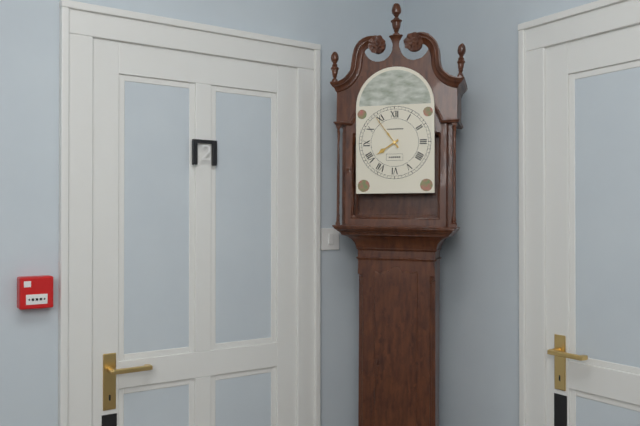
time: 7.54
